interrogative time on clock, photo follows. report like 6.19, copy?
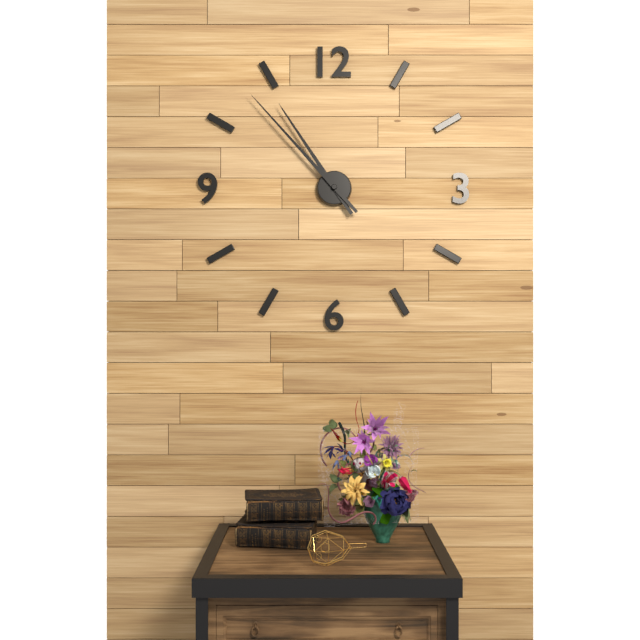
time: 10.53
